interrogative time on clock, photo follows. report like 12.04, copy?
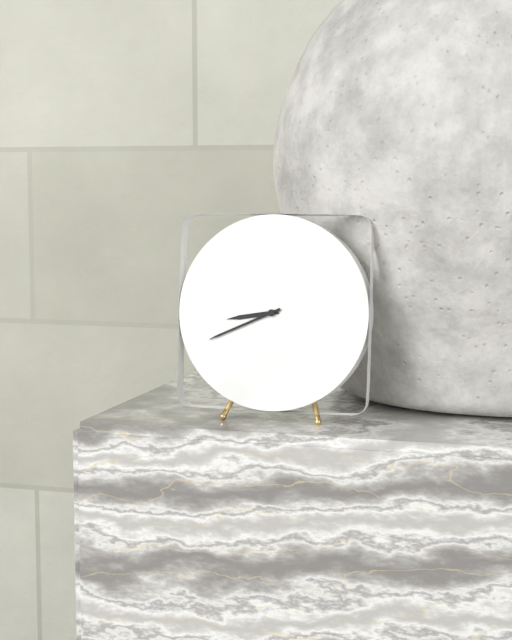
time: 8.41
